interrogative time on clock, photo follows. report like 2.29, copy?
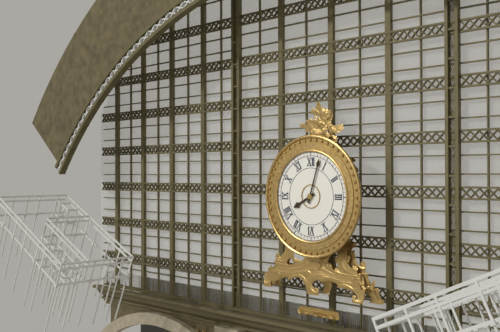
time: 8.03
